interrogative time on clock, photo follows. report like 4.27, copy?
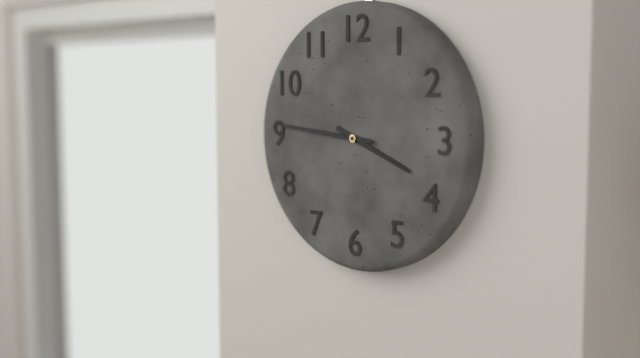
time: 3.46
